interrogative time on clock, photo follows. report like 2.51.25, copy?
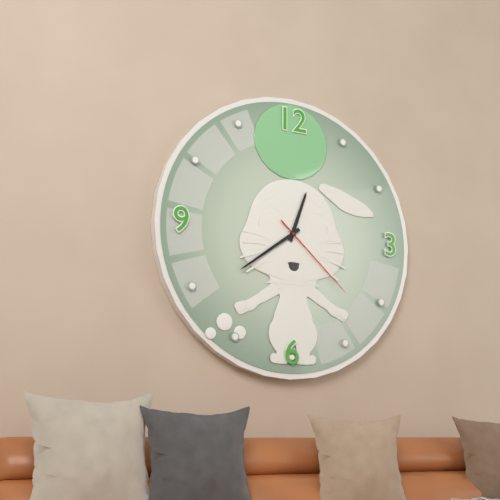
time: 12.39.22
